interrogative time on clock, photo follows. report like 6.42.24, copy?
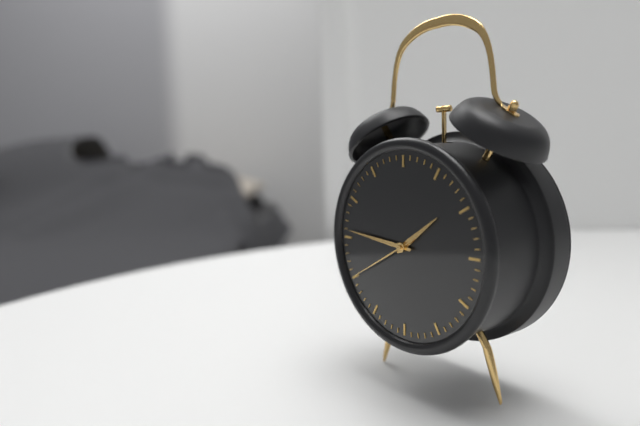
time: 1.46.40
